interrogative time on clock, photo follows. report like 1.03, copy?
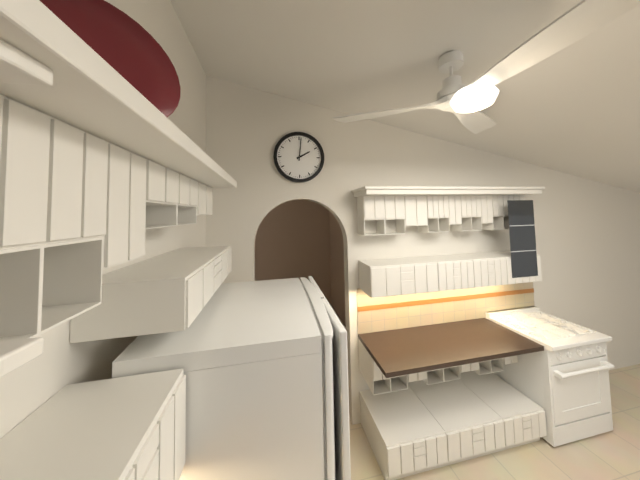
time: 2.01
